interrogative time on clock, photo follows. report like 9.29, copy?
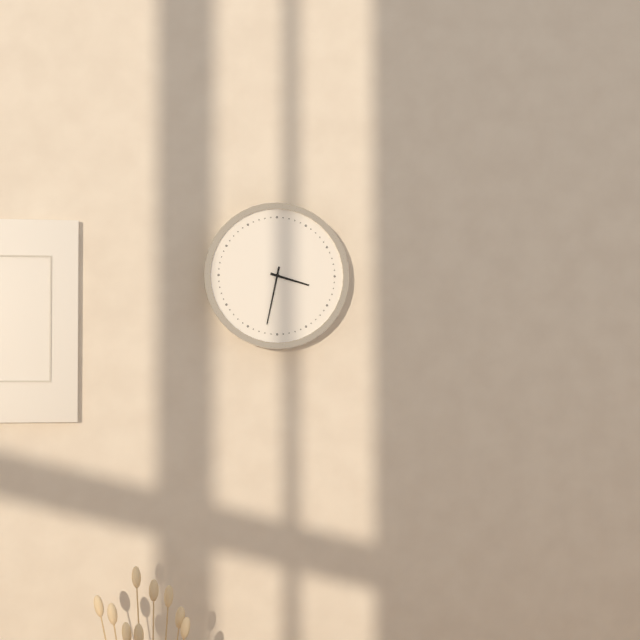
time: 3.32
